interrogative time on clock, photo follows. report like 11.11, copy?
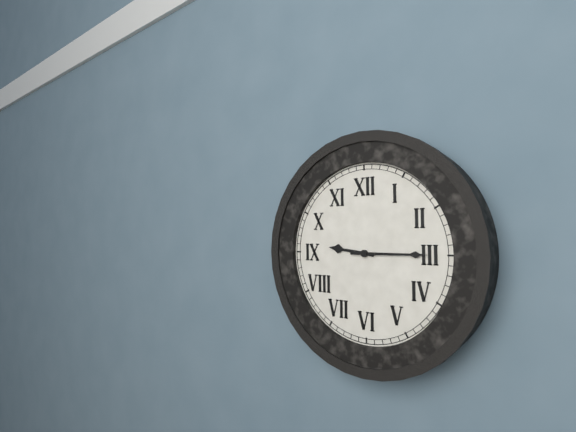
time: 9.15
